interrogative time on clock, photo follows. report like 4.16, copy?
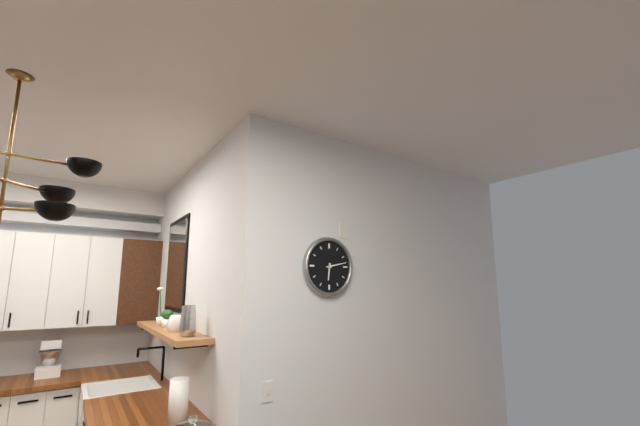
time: 6.13
